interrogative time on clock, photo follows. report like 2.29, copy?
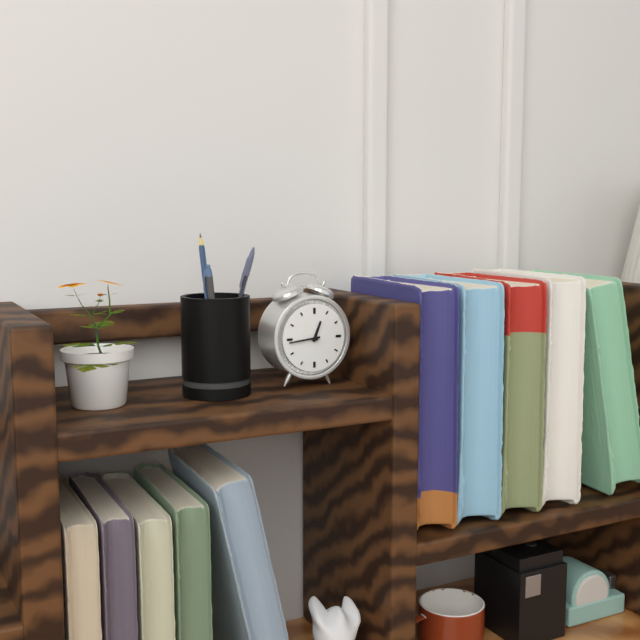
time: 12.44
